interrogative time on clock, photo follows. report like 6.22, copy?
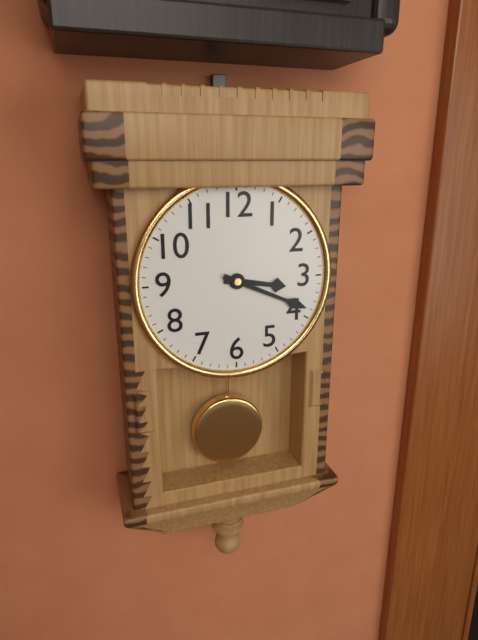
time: 3.19
